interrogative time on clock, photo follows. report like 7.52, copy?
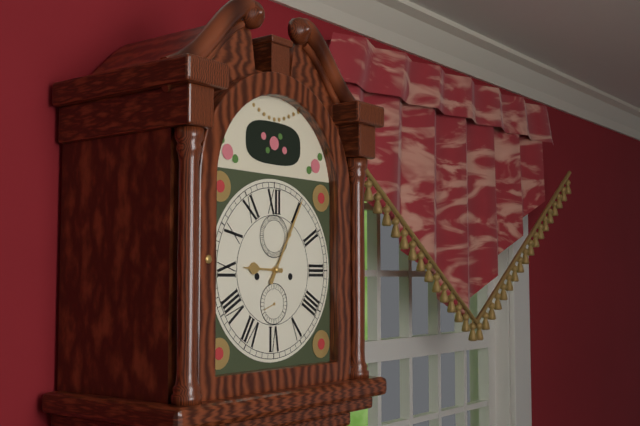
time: 9.05
